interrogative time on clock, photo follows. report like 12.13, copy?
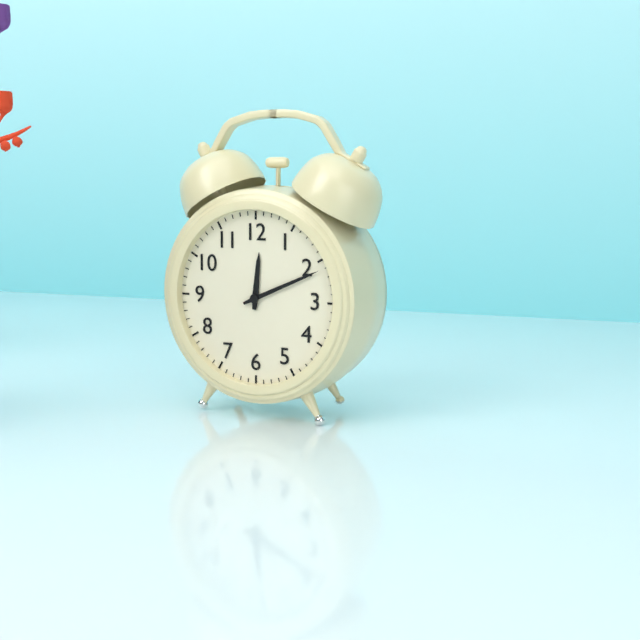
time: 12.11
